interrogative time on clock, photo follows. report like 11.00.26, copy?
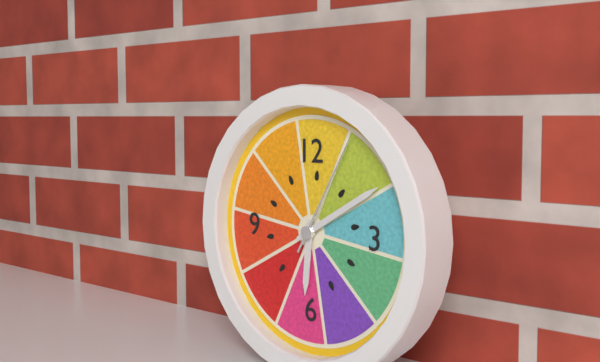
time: 6.10.05
